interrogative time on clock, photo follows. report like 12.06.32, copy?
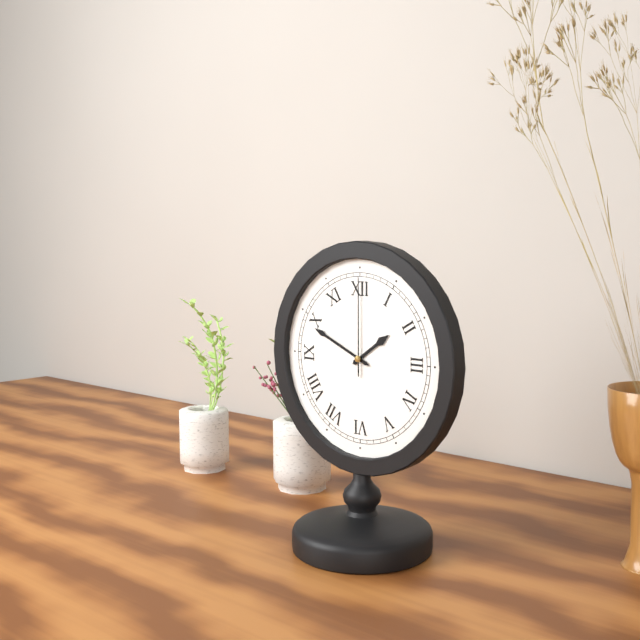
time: 1.49.00
